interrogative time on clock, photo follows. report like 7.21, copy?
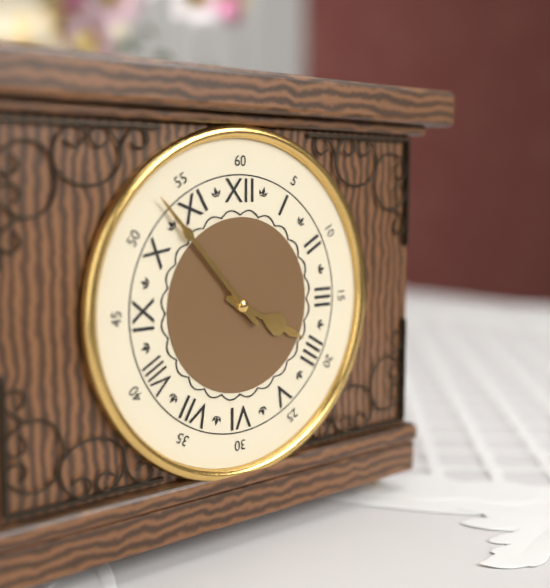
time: 3.53
